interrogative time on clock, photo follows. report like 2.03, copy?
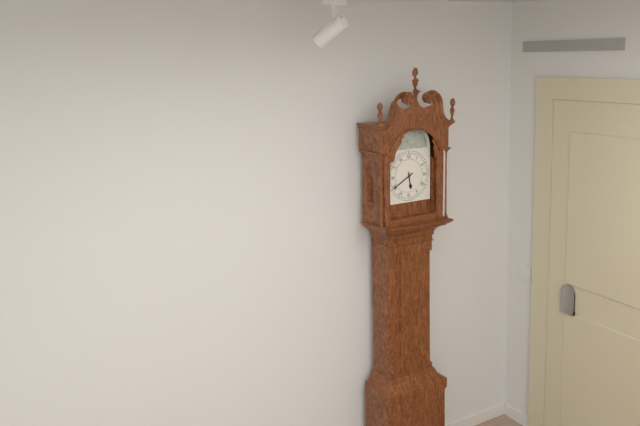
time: 5.40
